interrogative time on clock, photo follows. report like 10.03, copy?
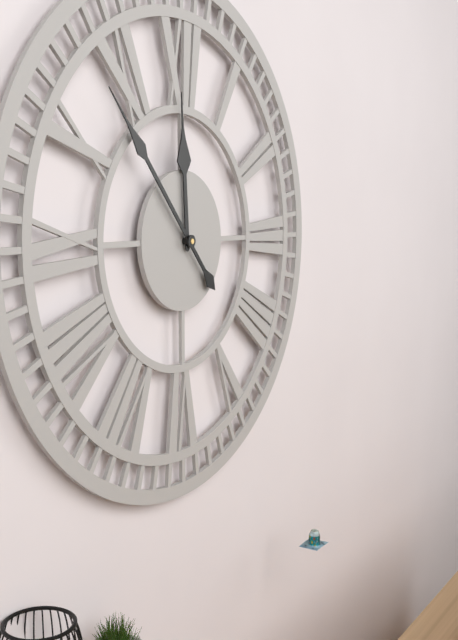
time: 11.53
